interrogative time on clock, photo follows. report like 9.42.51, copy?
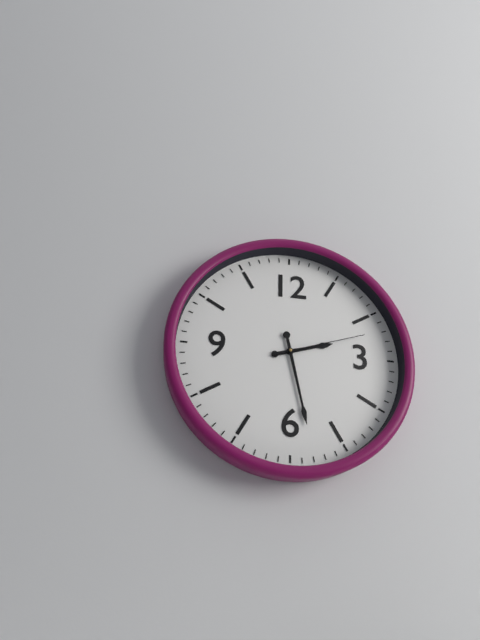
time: 2.28.12
